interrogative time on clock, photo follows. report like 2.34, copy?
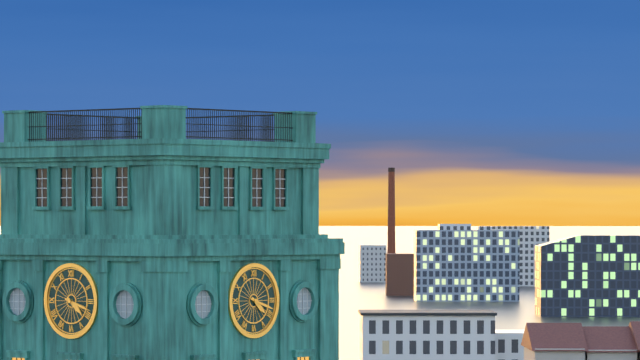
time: 4.18
